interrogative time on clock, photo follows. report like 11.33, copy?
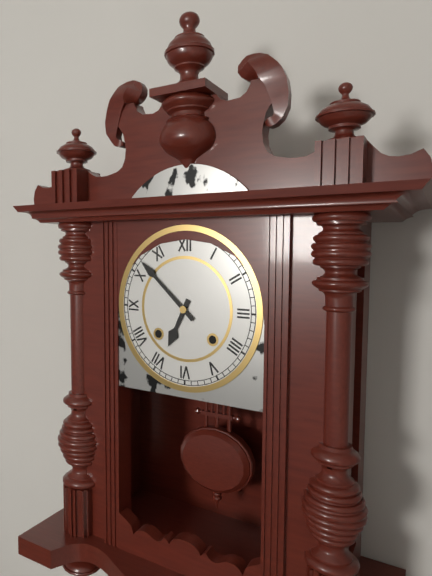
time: 6.52
